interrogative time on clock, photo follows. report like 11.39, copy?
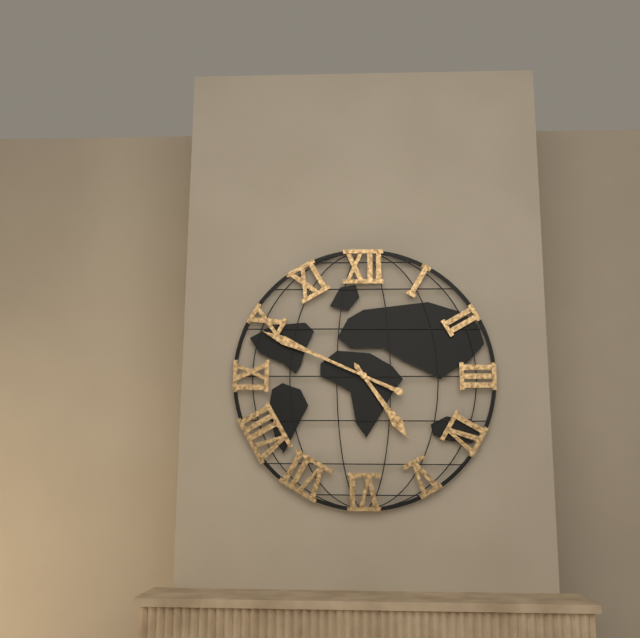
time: 4.49
